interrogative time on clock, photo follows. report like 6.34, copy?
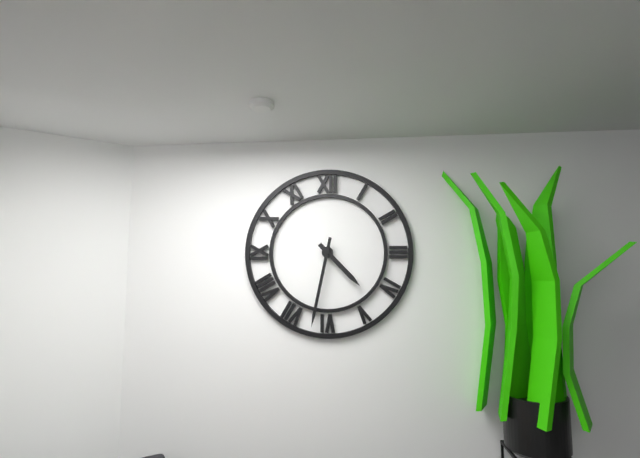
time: 4.32
